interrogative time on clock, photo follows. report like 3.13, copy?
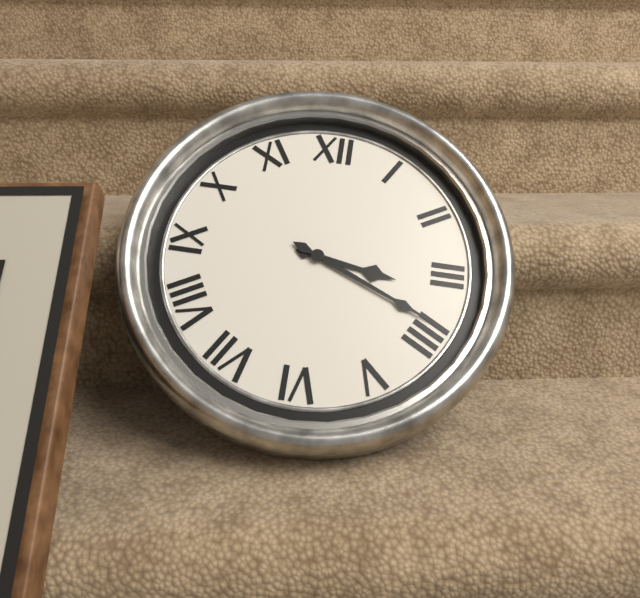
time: 3.19
